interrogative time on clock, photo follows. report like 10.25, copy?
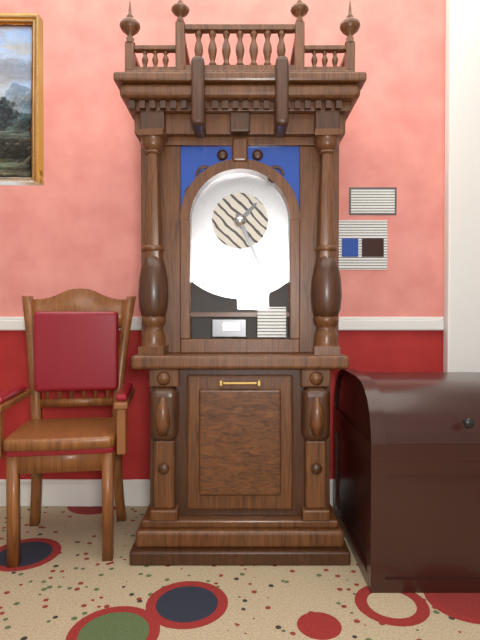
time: 1.26
